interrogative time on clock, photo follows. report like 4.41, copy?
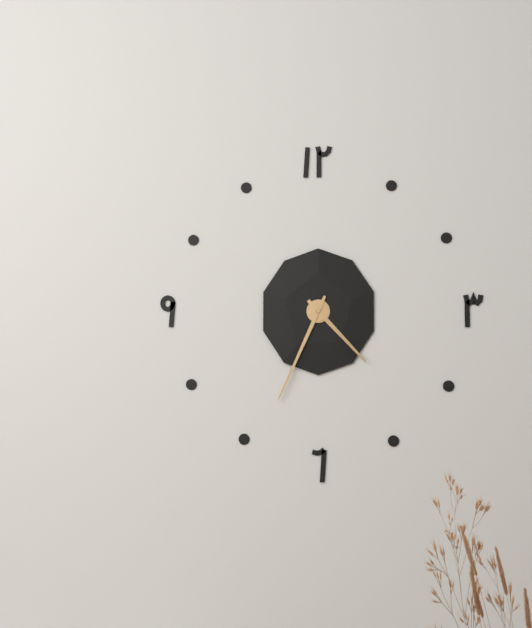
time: 4.34
